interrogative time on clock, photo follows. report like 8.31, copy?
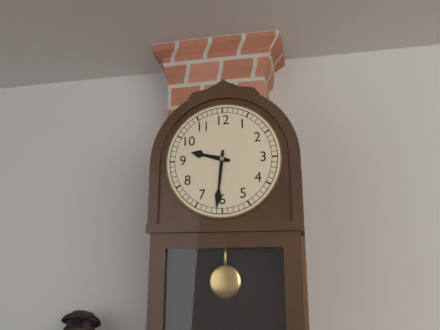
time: 9.31
